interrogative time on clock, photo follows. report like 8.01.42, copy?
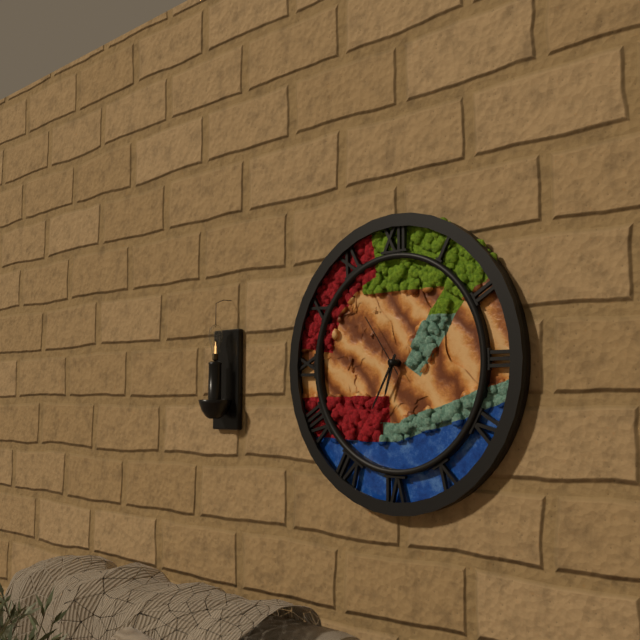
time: 6.35.54
